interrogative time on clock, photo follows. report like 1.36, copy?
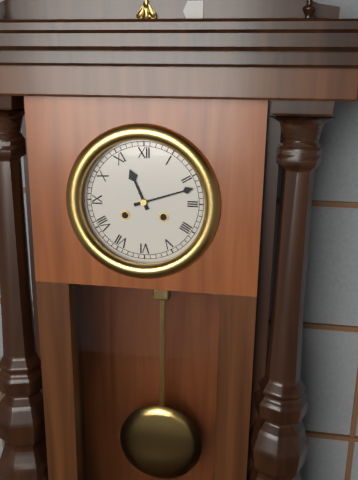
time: 11.12
